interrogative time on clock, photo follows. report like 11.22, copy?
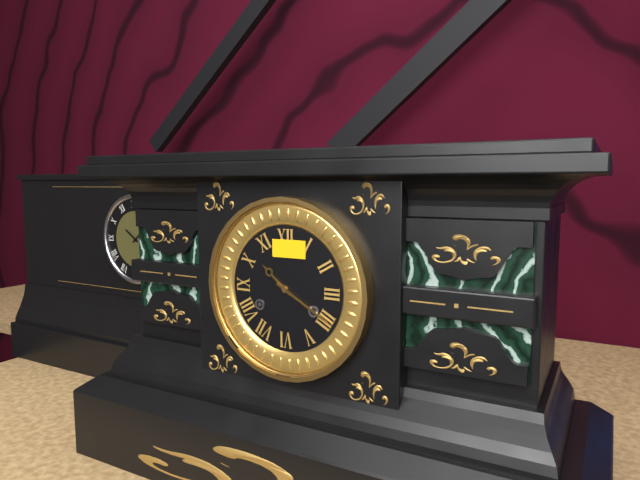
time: 10.20
